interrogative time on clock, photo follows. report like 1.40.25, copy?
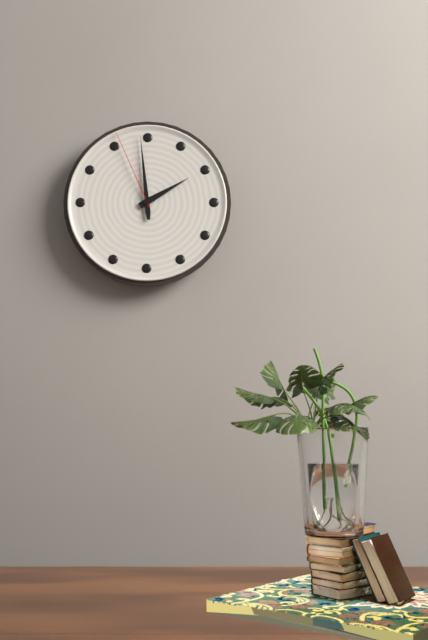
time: 1.59.56
